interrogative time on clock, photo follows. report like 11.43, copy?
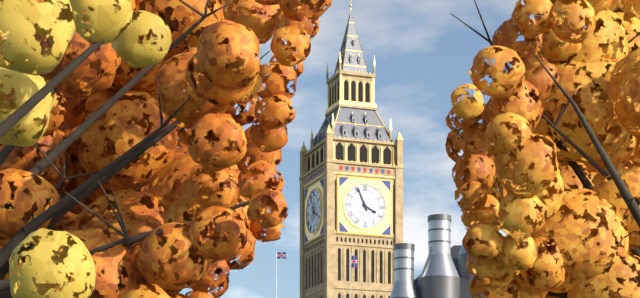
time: 3.56
